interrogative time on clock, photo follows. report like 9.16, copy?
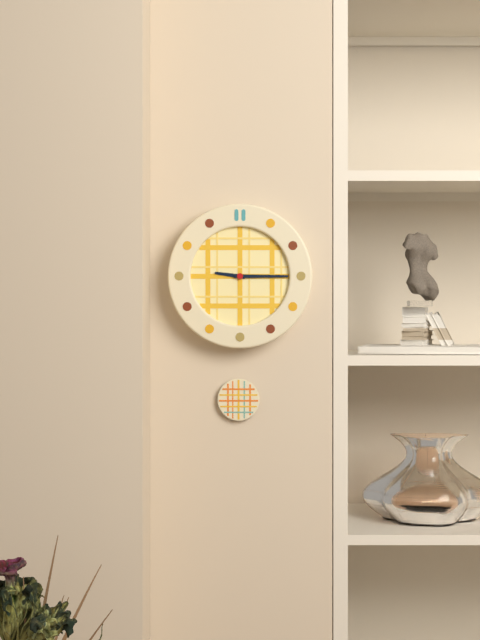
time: 9.15
